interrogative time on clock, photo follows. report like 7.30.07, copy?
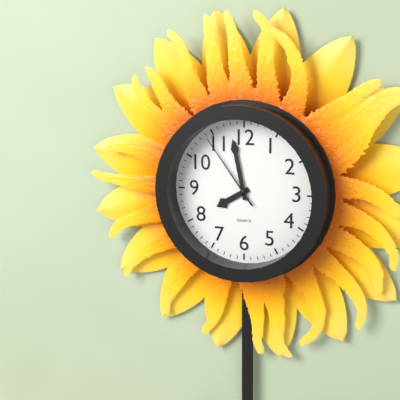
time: 7.58.54
